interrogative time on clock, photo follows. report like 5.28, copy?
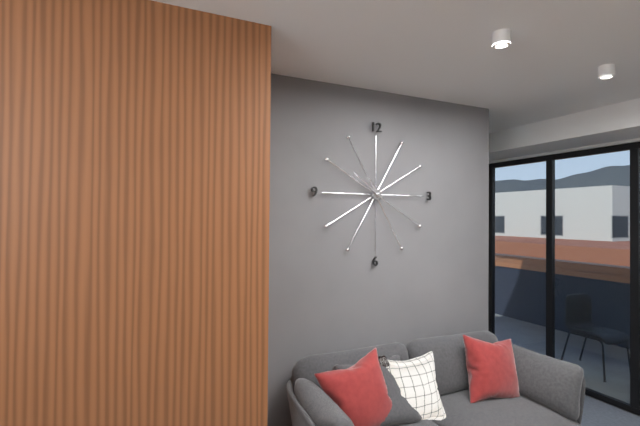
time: 10.51
